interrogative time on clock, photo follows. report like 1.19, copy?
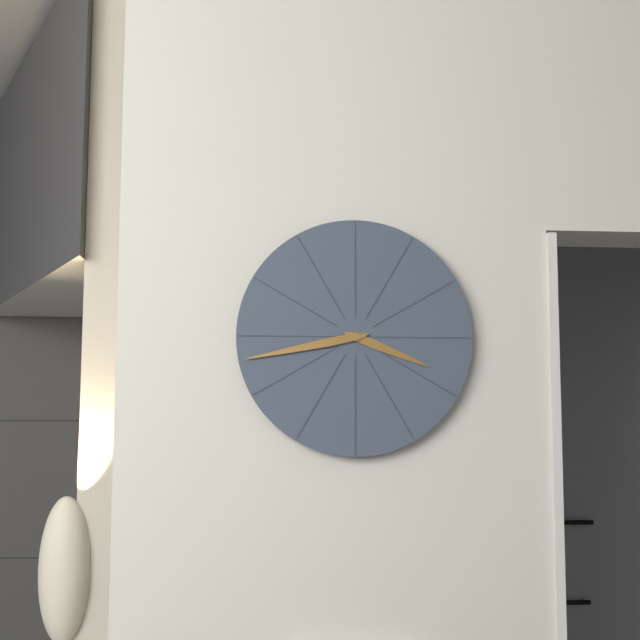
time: 3.43
